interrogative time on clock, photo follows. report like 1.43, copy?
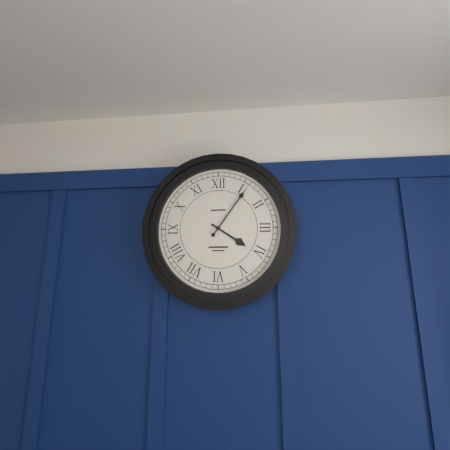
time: 4.06
